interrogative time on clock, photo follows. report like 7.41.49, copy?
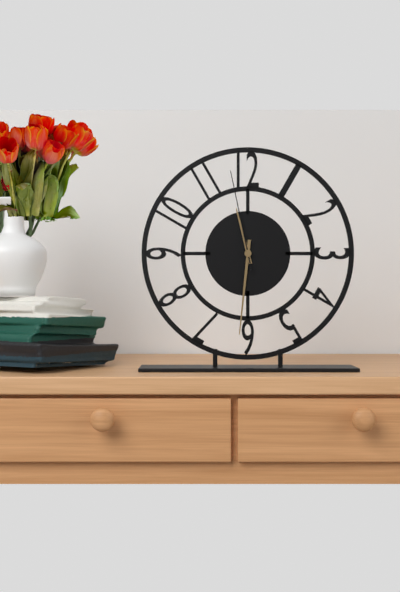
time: 11.31.58
